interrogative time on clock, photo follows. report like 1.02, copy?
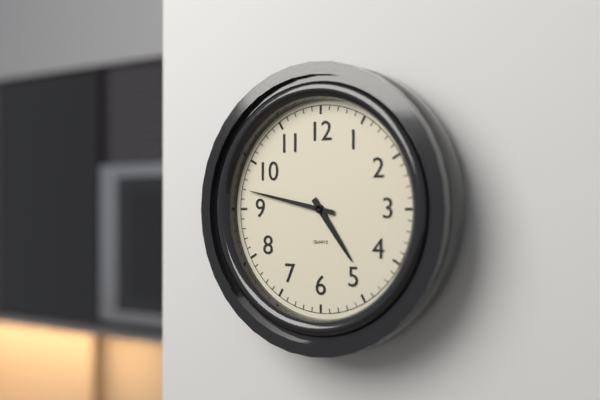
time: 4.47
